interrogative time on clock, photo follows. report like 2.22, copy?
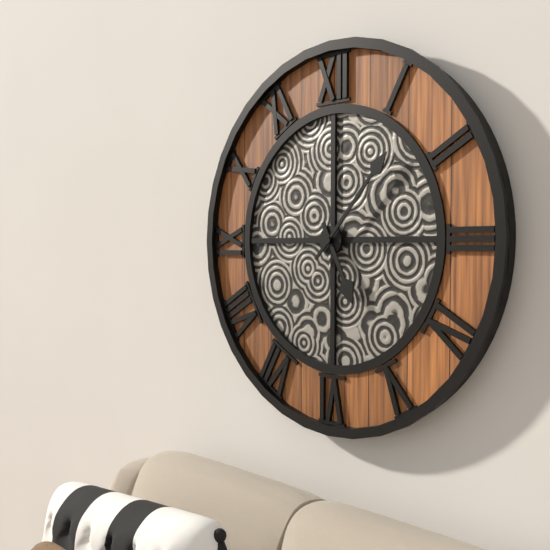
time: 5.07
